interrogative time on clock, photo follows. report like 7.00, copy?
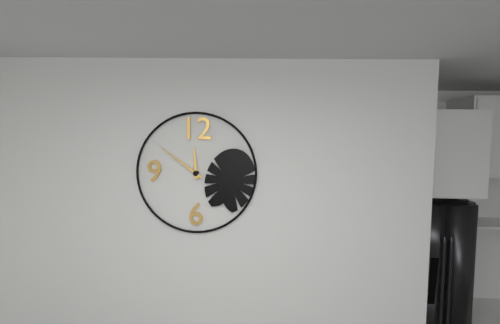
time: 11.51
